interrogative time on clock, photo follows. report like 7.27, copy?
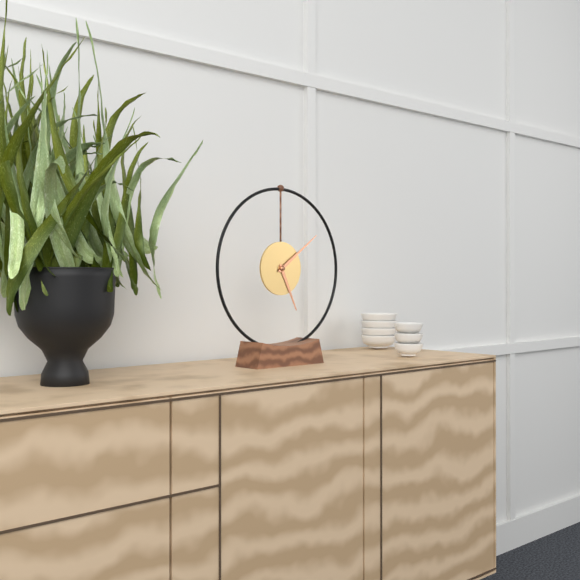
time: 5.09
